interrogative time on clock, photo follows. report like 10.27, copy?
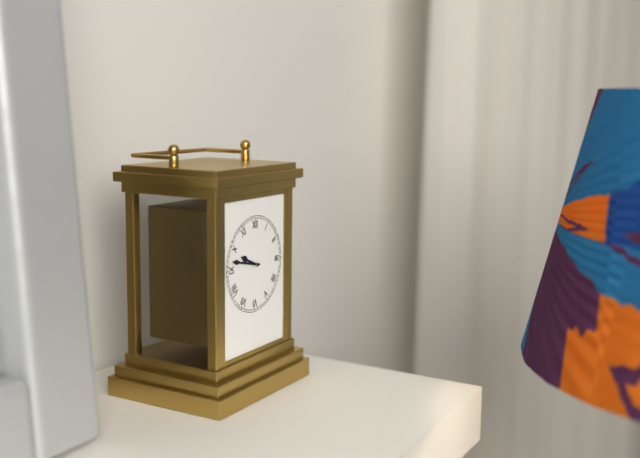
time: 9.47
